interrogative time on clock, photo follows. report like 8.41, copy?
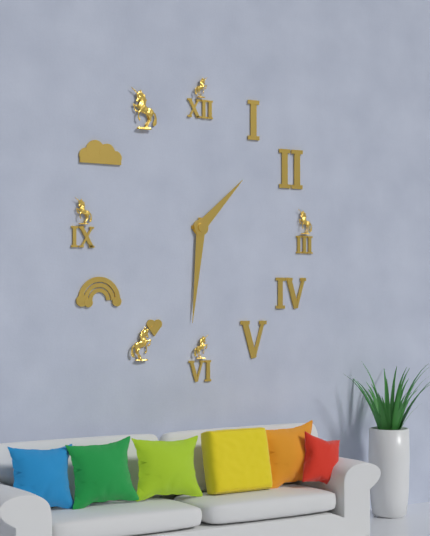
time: 1.31
